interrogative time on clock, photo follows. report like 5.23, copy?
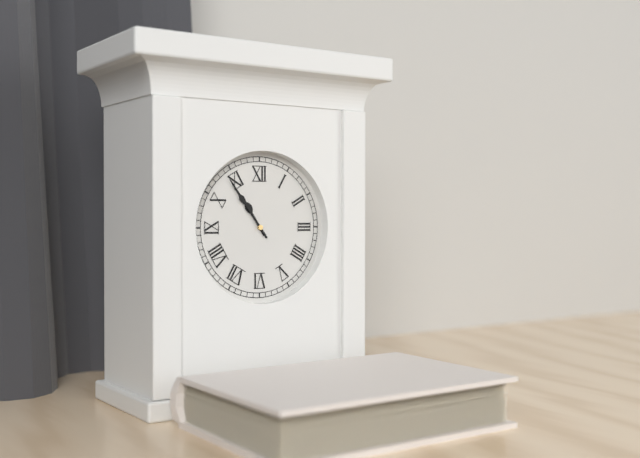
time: 10.54
